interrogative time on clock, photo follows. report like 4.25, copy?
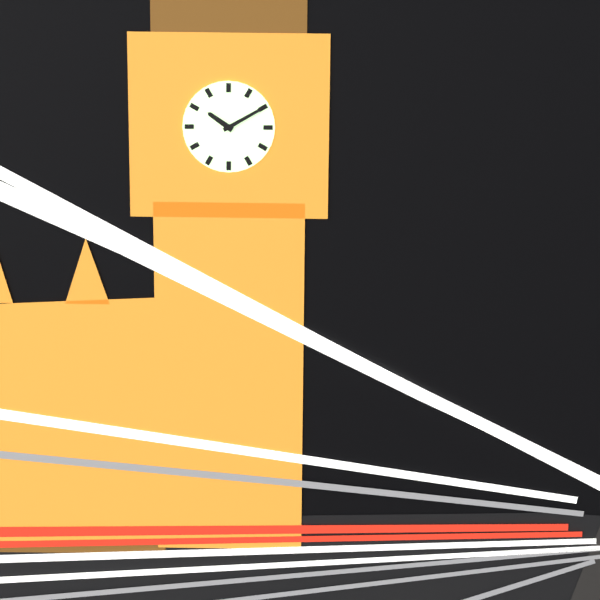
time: 10.10
